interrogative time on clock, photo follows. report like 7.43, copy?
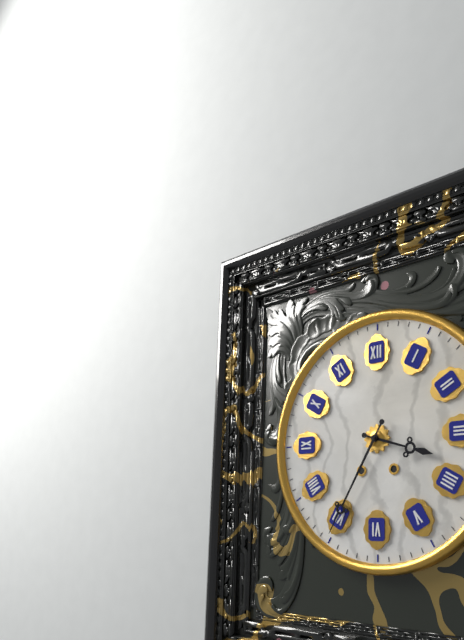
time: 3.35
